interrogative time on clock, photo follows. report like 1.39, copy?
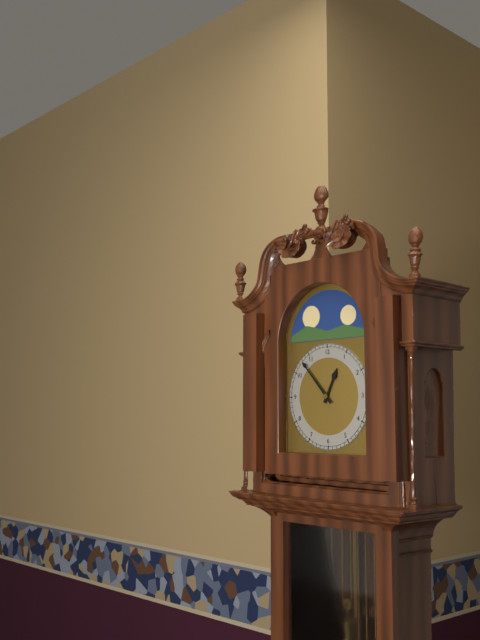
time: 12.53
